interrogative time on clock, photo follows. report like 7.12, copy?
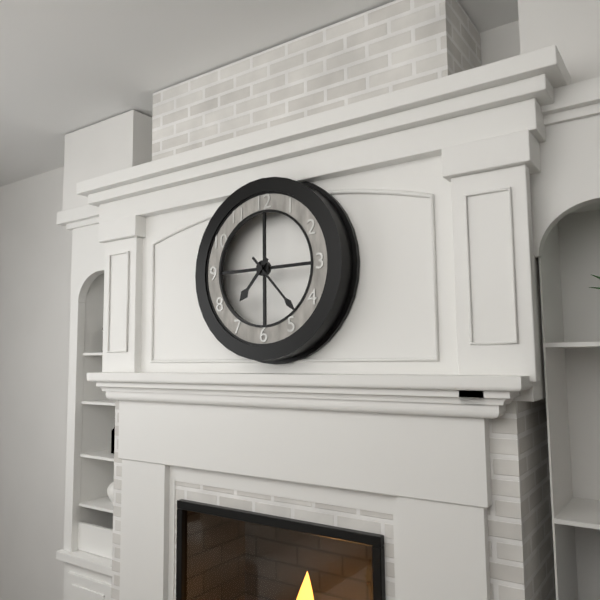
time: 7.23
